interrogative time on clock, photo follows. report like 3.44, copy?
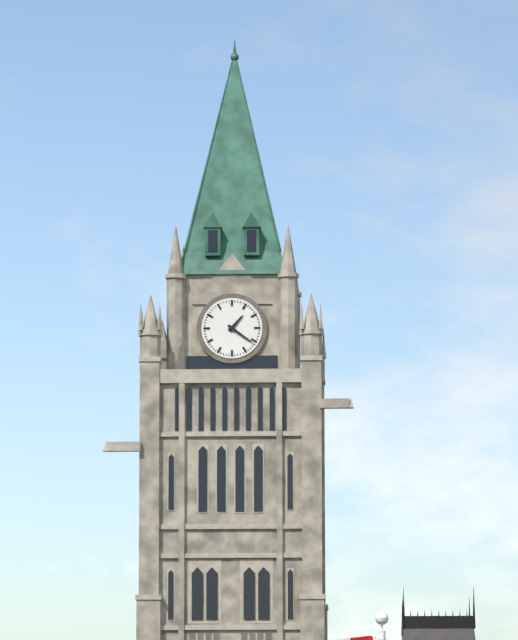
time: 1.21
